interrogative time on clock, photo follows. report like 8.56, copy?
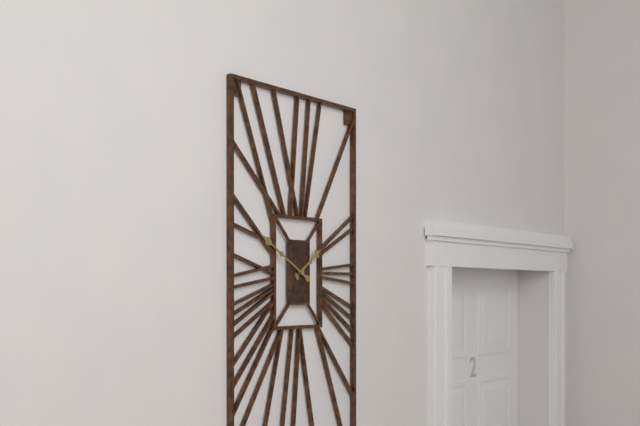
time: 1.50
